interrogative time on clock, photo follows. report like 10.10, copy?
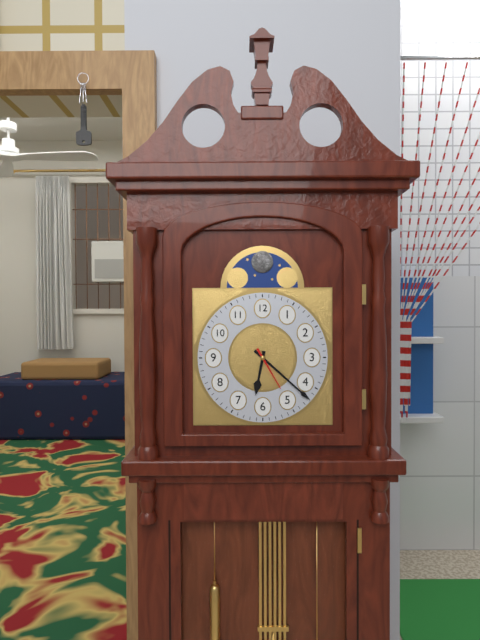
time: 6.22
